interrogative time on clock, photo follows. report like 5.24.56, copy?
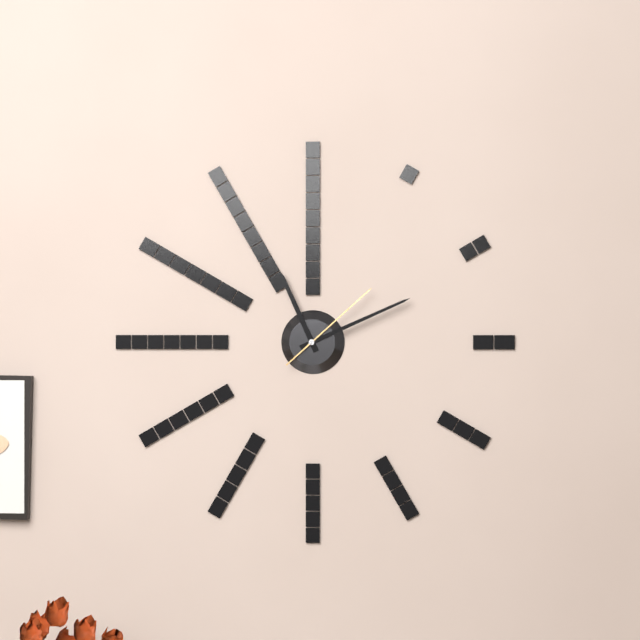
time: 11.11.08
